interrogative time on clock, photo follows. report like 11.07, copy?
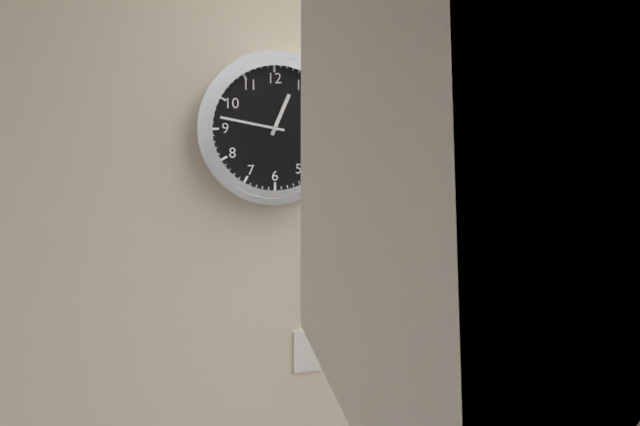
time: 12.47
